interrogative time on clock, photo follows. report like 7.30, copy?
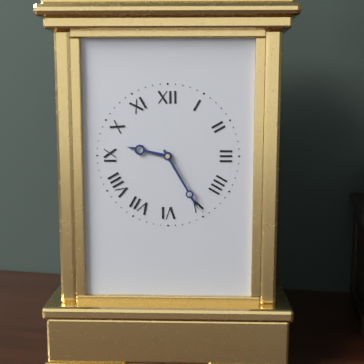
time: 9.25
